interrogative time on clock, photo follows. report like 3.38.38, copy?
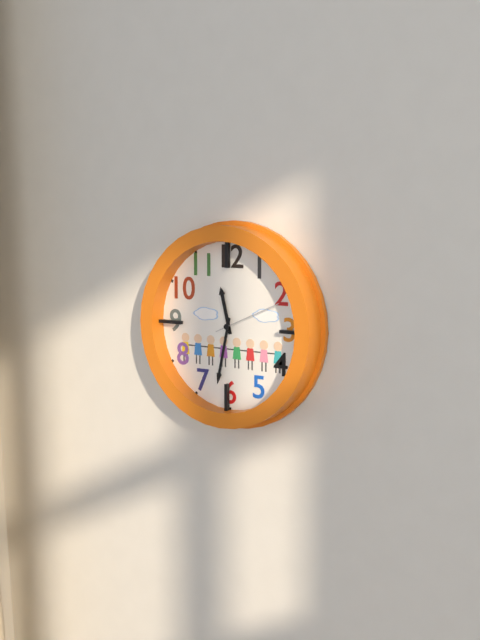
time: 11.32.11
